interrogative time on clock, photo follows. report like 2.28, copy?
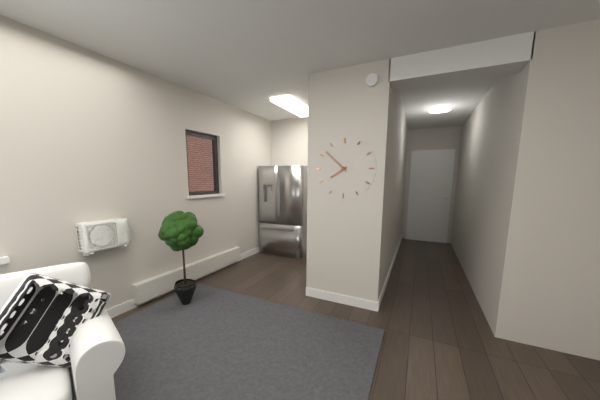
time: 7.52
